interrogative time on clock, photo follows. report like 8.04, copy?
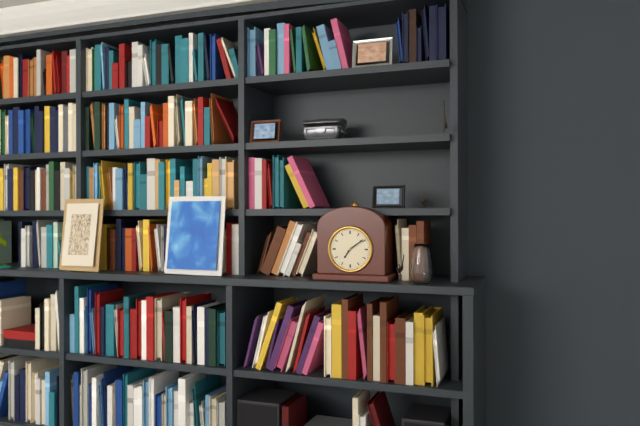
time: 7.09
